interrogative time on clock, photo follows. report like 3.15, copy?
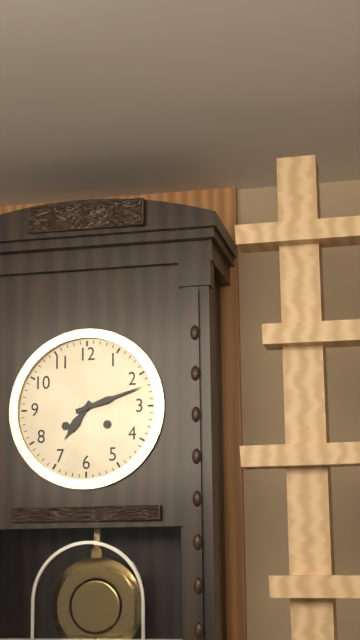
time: 7.12
